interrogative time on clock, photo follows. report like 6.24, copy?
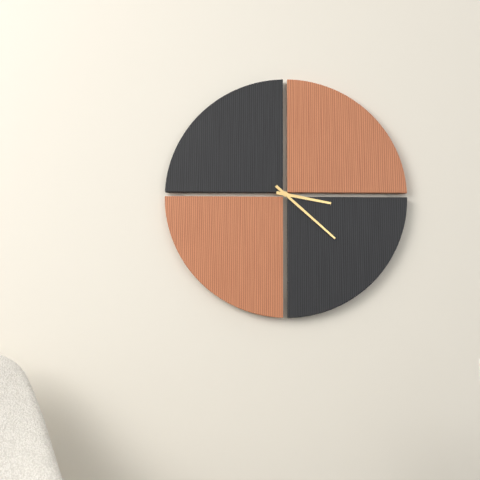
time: 3.22
